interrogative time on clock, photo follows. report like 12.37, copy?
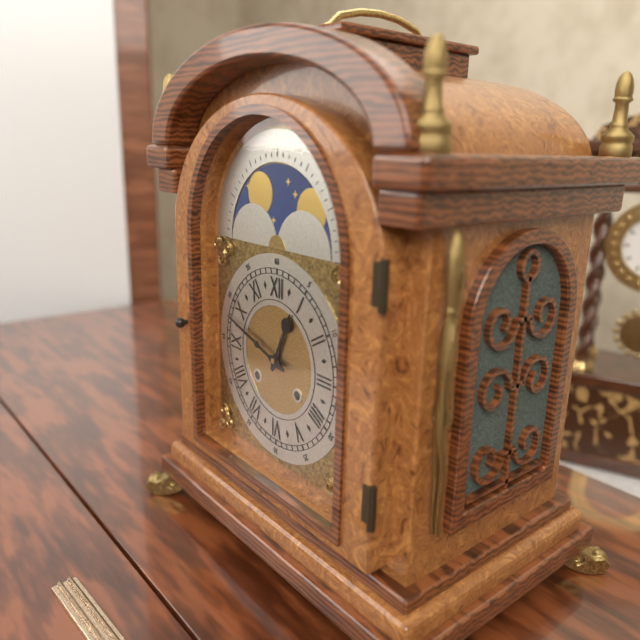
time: 12.48
